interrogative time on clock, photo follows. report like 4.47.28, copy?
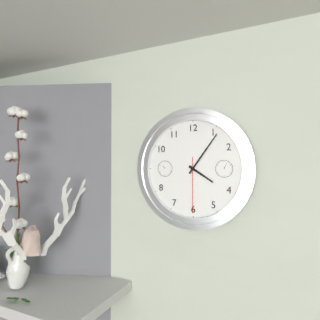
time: 4.06.30
